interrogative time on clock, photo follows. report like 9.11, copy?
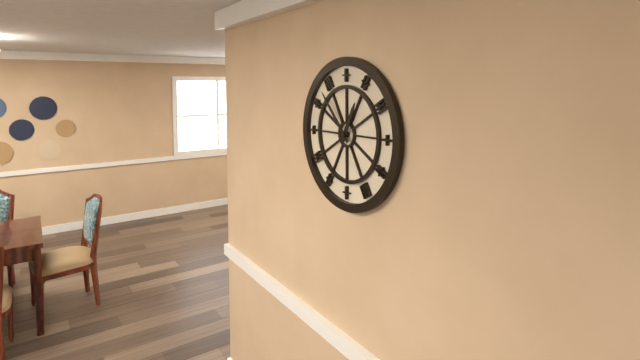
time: 12.53
